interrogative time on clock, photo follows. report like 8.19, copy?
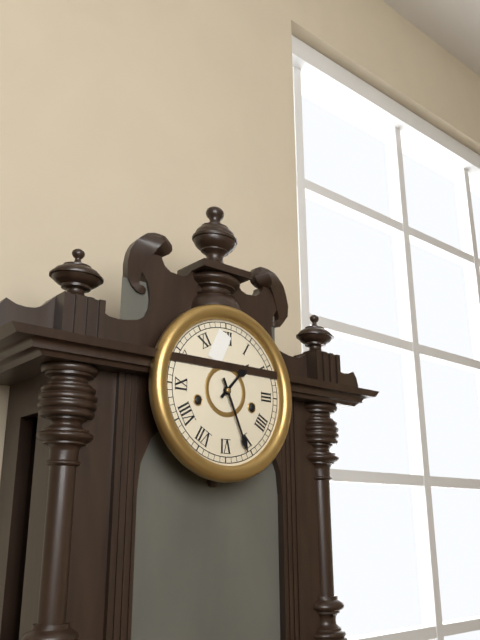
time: 1.26
